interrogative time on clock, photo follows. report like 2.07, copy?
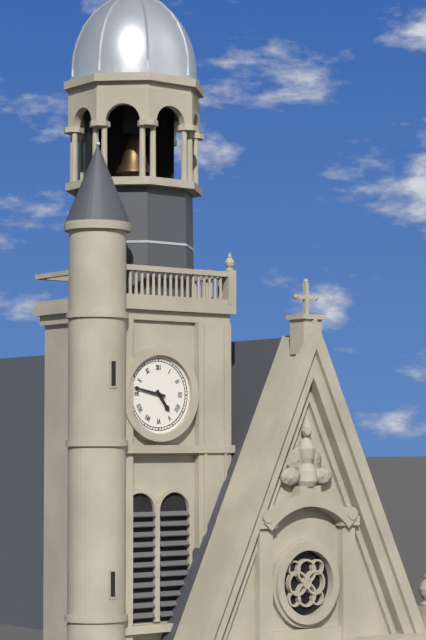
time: 4.47
